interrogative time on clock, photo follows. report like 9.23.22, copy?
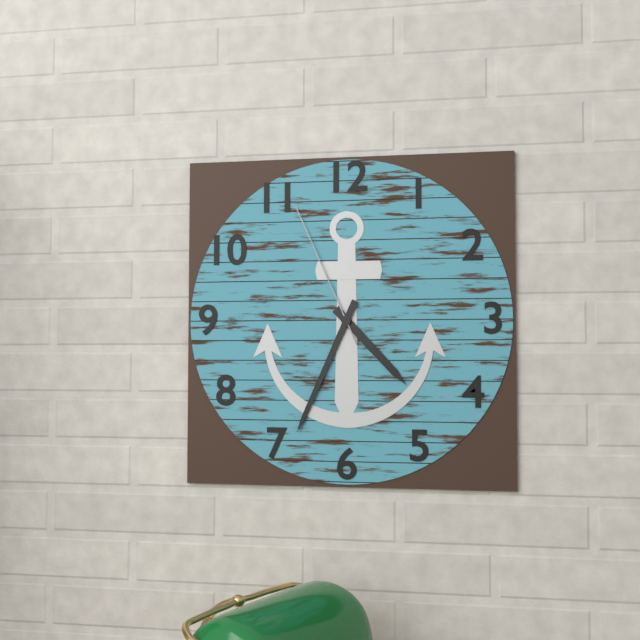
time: 4.34.56
